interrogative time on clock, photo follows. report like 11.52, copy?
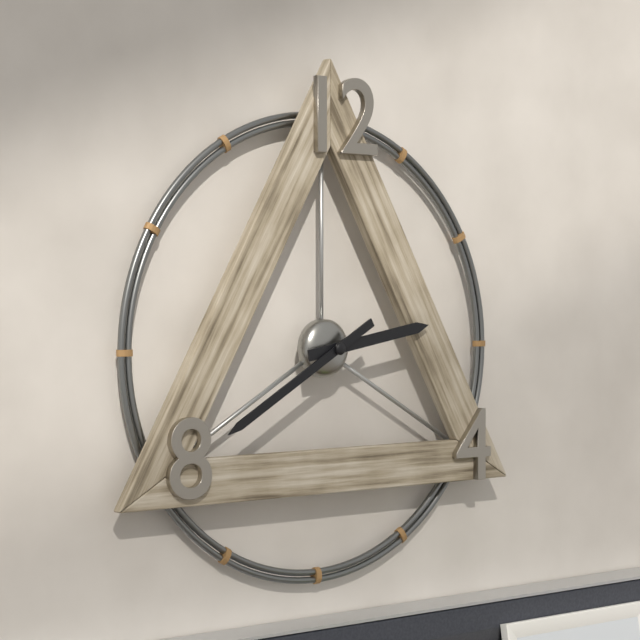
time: 2.40
